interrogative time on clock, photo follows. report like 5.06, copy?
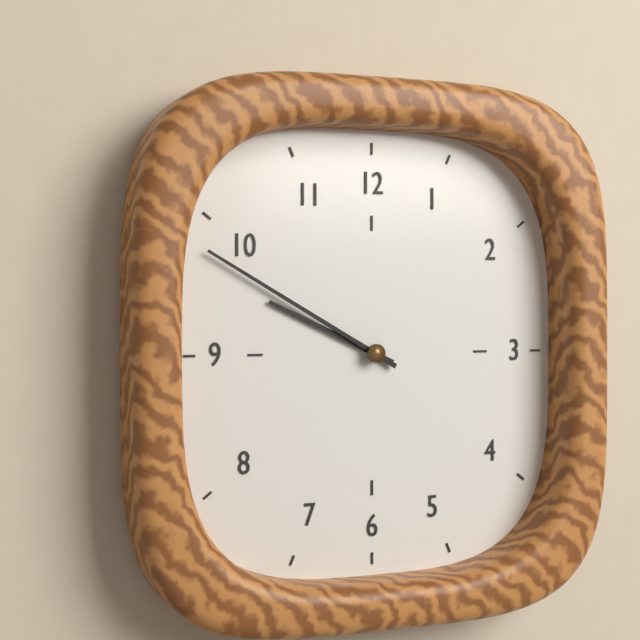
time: 9.50
